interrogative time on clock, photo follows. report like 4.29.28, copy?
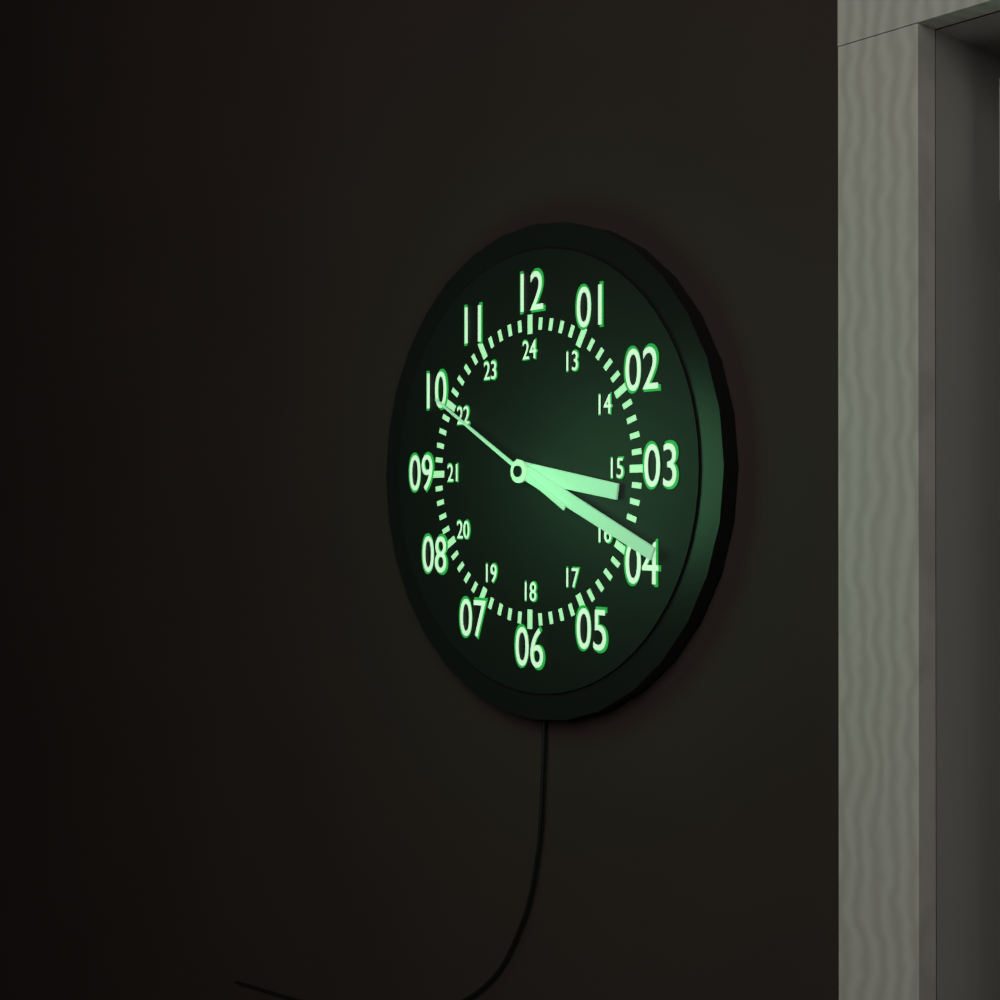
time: 3.19.50
